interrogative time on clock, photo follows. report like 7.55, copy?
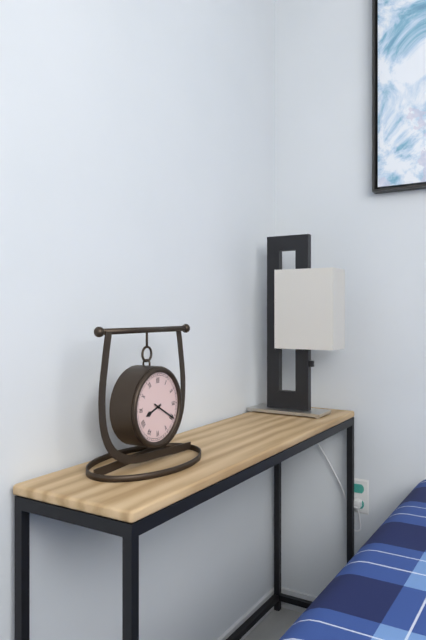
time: 8.20
